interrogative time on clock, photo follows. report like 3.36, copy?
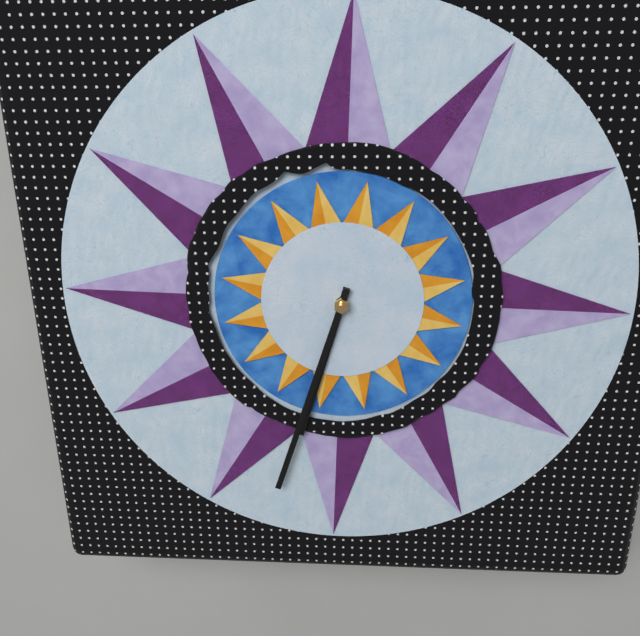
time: 6.33
